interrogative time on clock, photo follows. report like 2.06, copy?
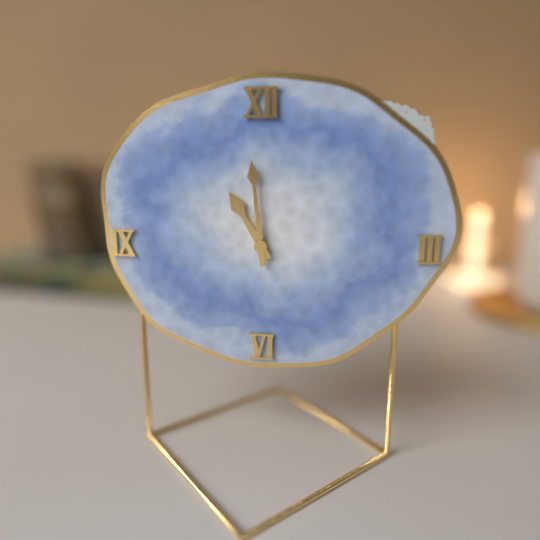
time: 10.59
